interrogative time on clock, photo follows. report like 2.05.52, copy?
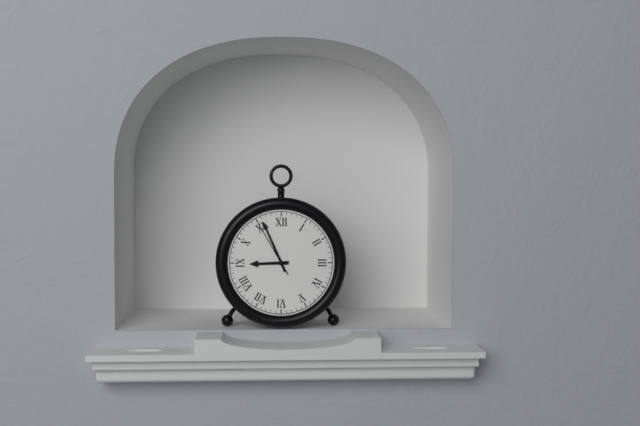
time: 8.56.55
